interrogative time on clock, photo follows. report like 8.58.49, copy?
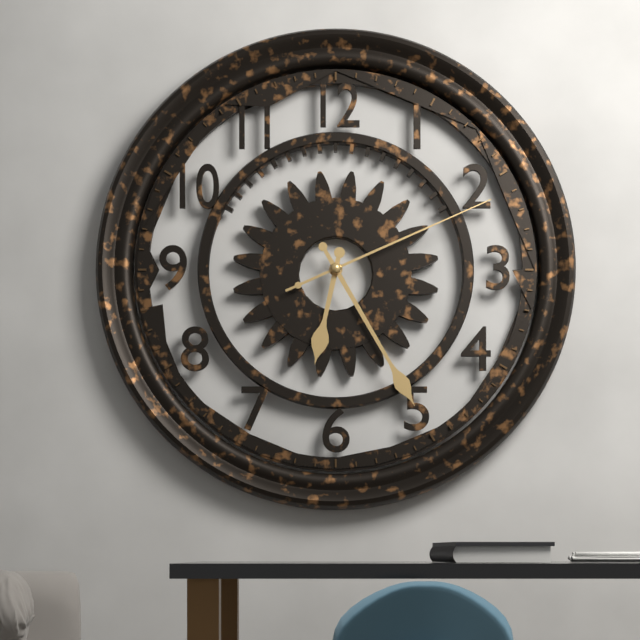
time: 6.25.11
